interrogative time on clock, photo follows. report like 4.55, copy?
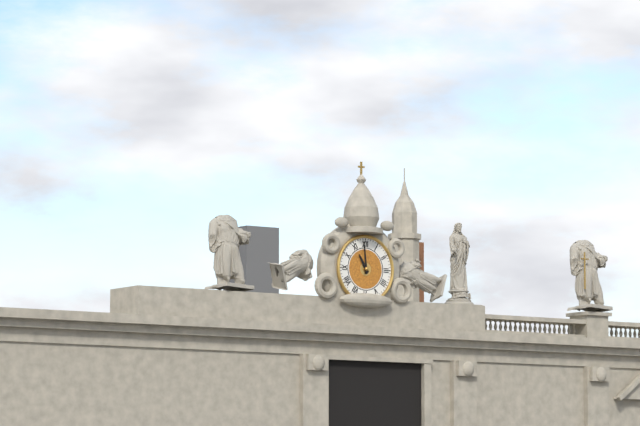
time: 10.59
